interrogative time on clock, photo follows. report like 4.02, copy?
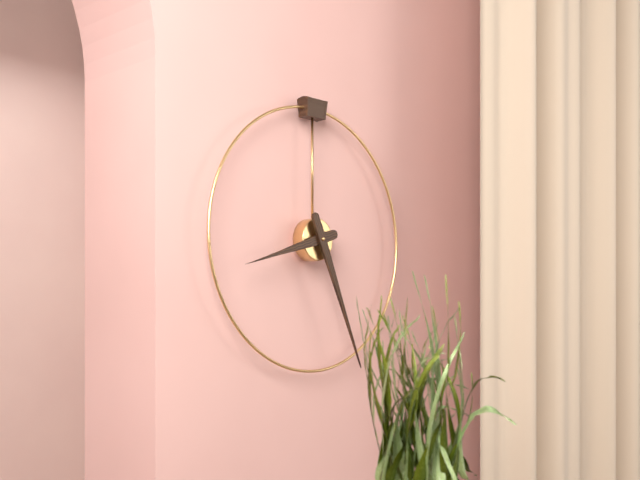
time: 8.26
